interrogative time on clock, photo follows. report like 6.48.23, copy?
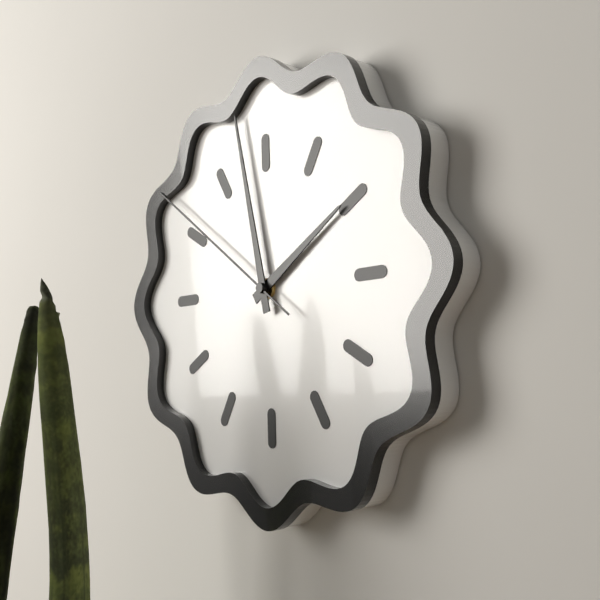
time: 1.58.51
